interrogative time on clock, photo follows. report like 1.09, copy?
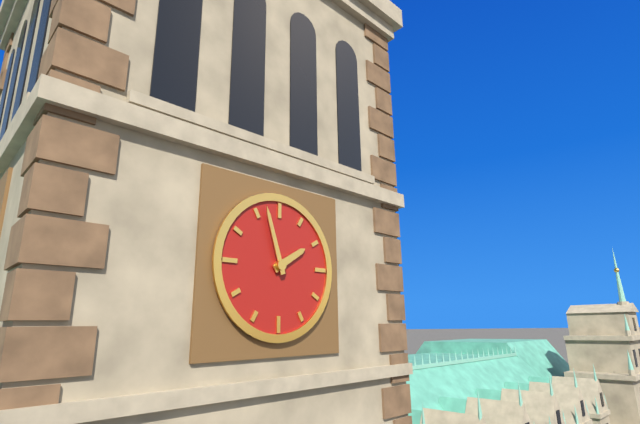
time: 1.57
